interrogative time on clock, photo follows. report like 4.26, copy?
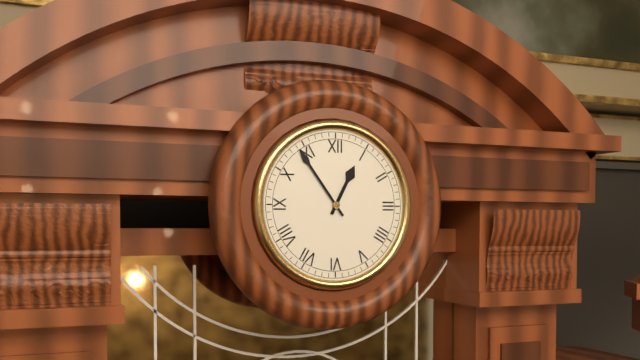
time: 12.54
